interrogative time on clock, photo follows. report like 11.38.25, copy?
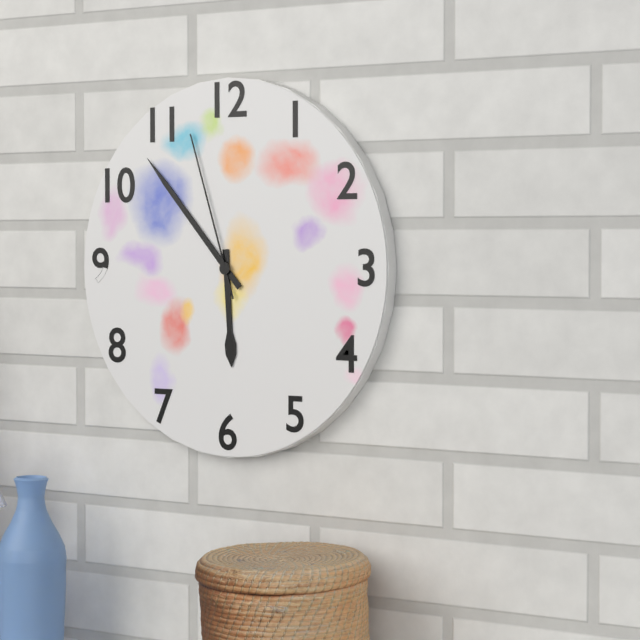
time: 5.53.57
